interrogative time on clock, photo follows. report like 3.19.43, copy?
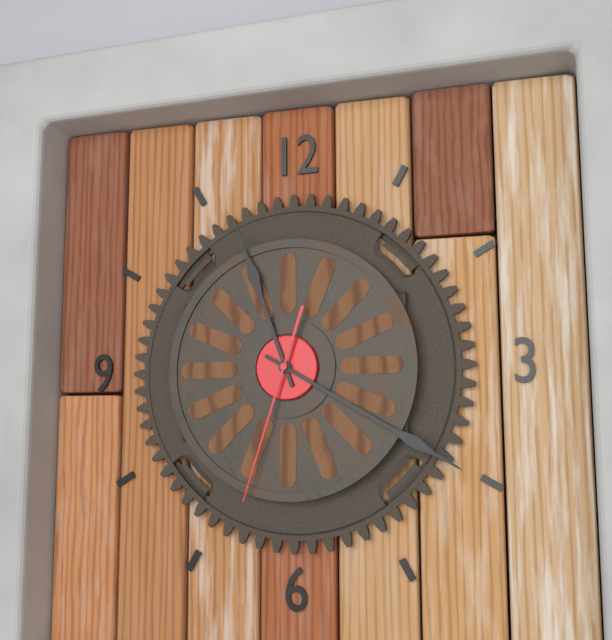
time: 11.20.33
